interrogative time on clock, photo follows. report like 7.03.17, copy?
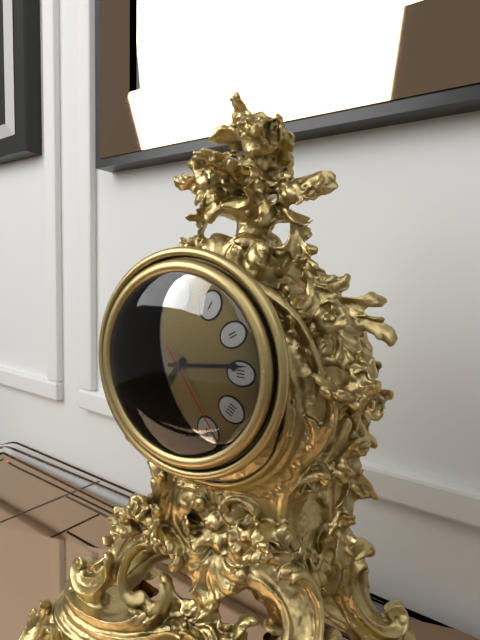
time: 7.14.24
